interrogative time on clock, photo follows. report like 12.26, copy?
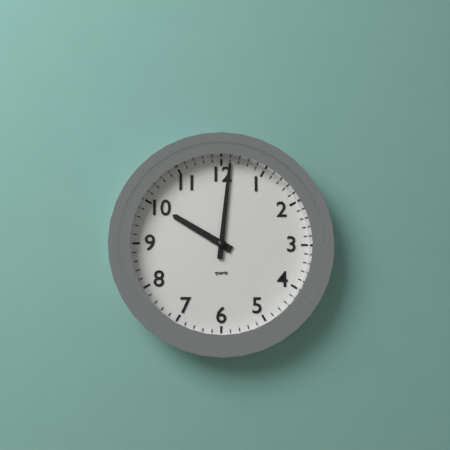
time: 10.01
